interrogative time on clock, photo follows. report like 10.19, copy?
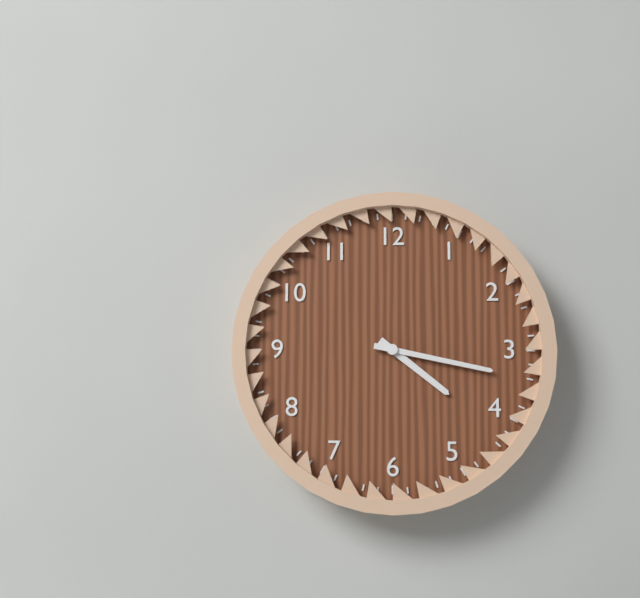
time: 4.17
